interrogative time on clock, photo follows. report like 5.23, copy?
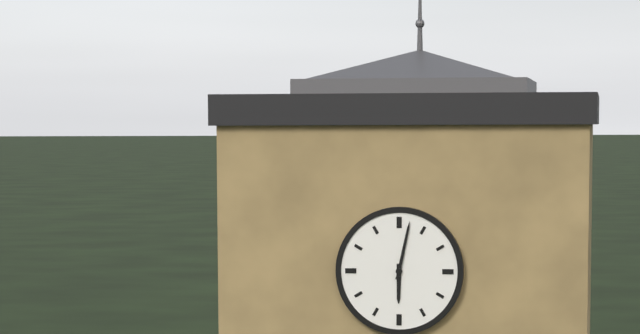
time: 6.02
